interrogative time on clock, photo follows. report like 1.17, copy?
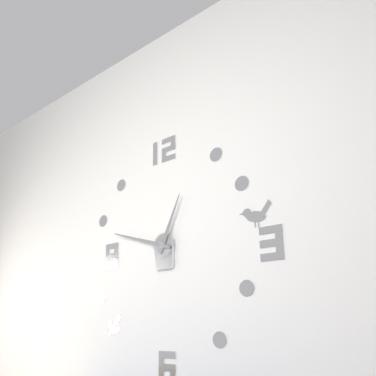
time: 12.48
